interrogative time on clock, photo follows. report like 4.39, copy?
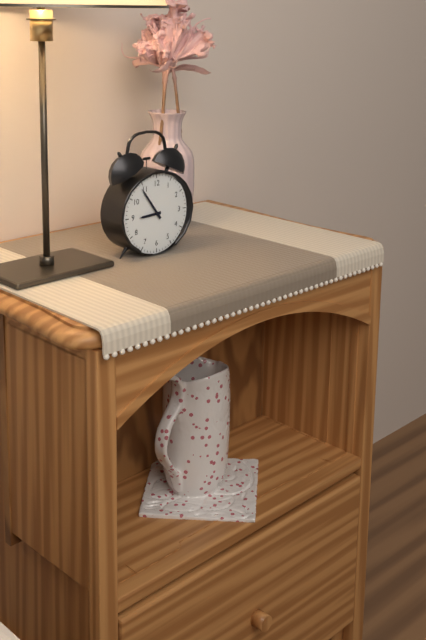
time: 8.54
